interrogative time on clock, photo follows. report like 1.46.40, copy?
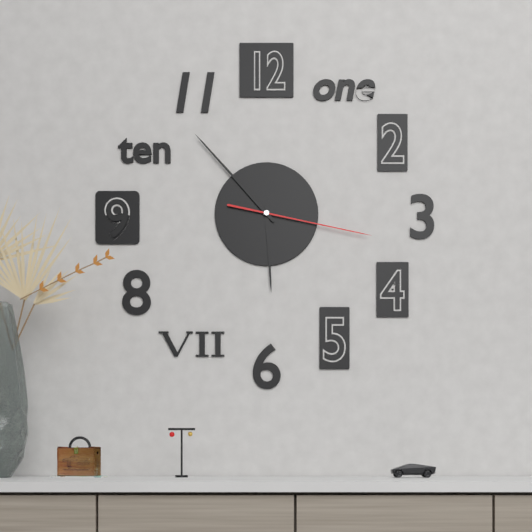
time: 5.53.17
